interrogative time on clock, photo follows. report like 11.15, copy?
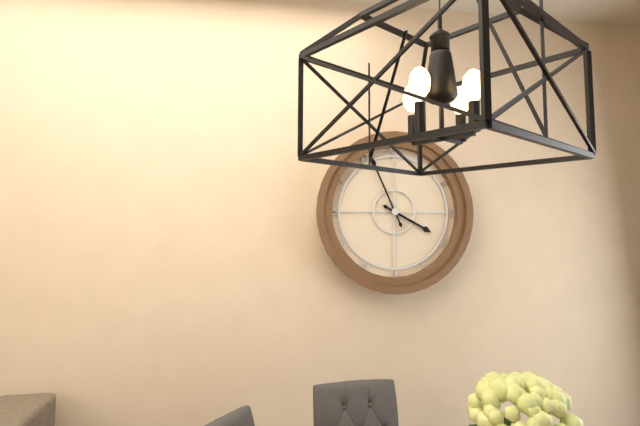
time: 3.56
